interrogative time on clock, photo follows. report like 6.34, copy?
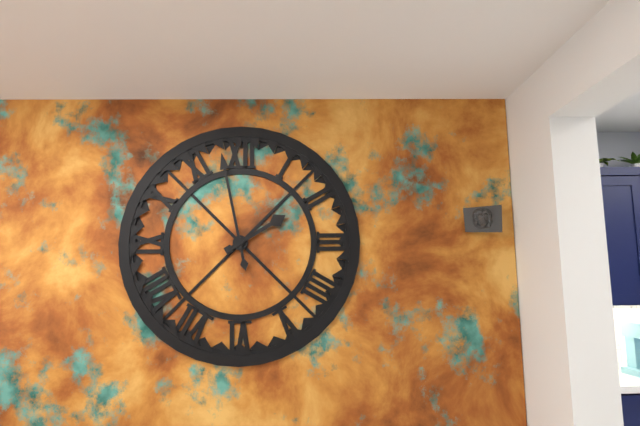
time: 1.58
